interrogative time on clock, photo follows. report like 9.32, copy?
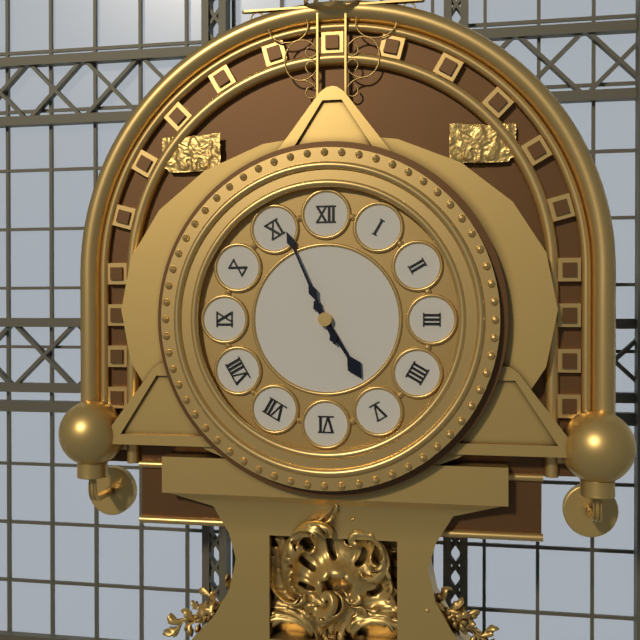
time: 4.56
